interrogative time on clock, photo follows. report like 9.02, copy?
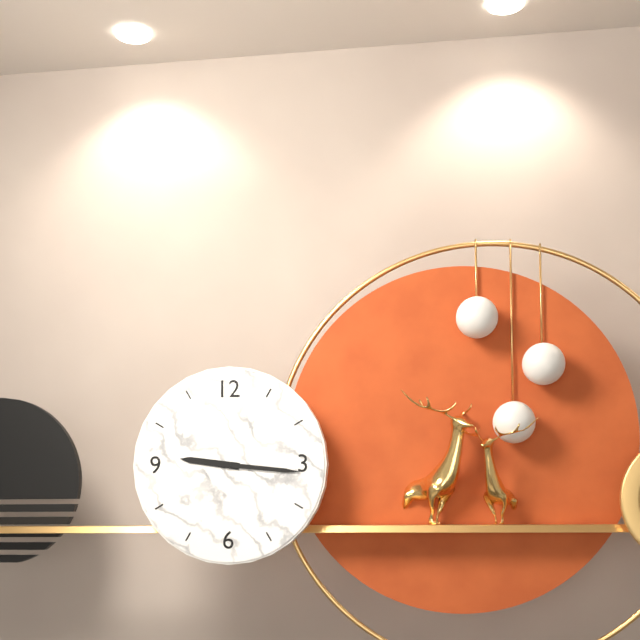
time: 9.16
